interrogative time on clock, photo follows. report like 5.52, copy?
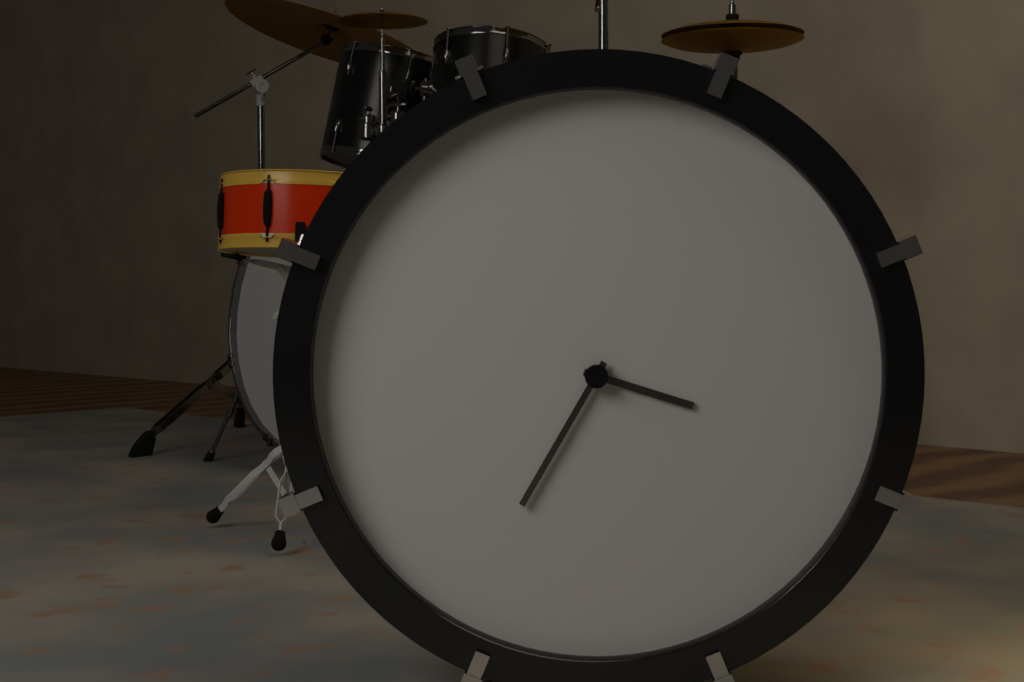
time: 3.35
